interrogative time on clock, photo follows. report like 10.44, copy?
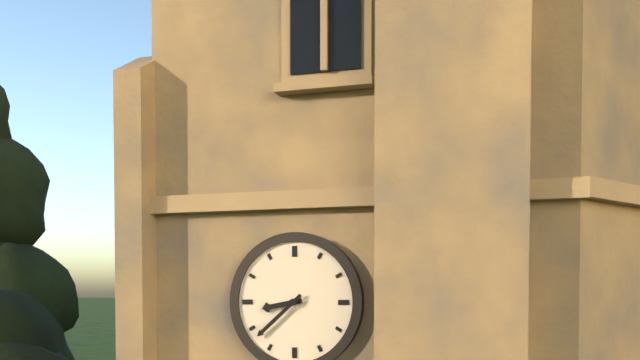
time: 8.38
